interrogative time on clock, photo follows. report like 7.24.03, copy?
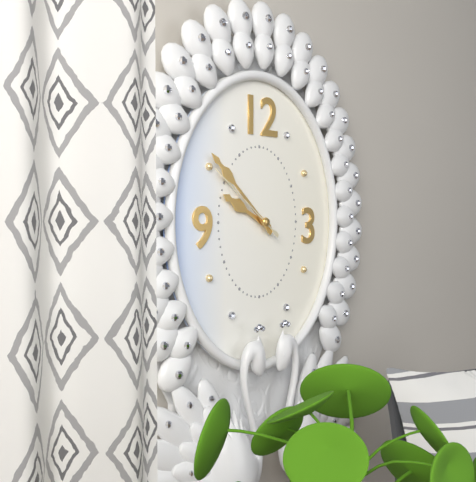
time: 9.52.51
